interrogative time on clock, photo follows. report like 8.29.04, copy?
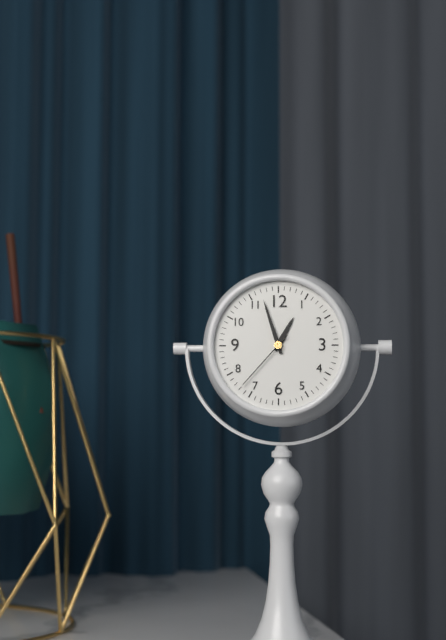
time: 12.57.37
